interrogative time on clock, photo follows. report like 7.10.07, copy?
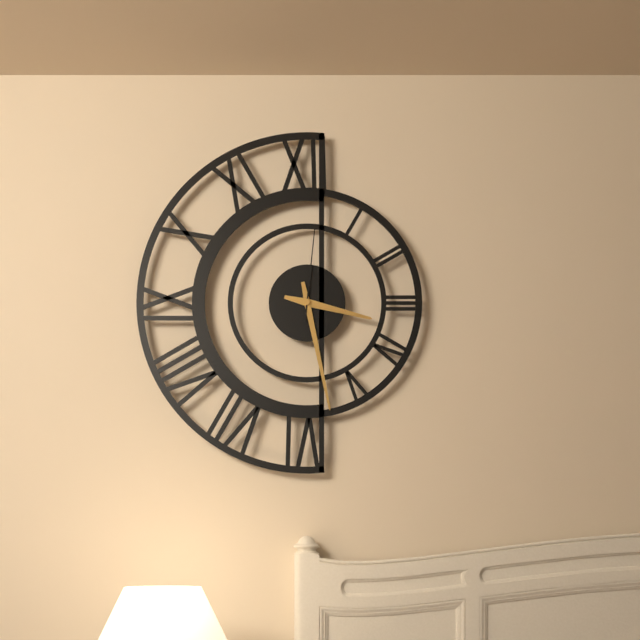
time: 3.28.01
